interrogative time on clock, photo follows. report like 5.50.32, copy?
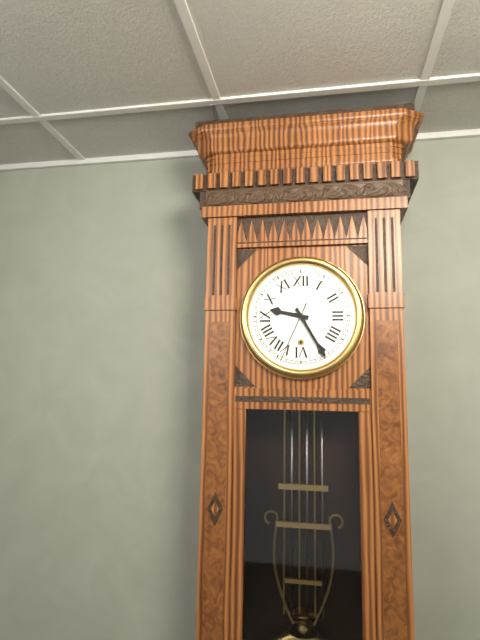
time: 9.25.34
